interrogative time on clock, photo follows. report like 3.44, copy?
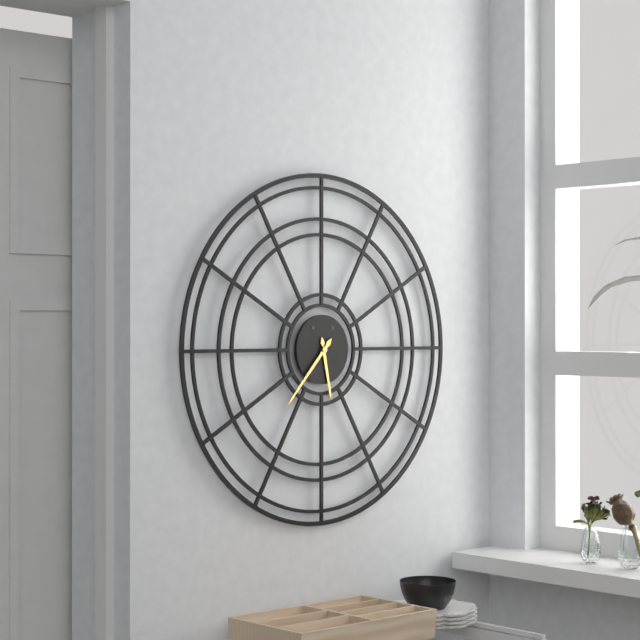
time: 5.37
